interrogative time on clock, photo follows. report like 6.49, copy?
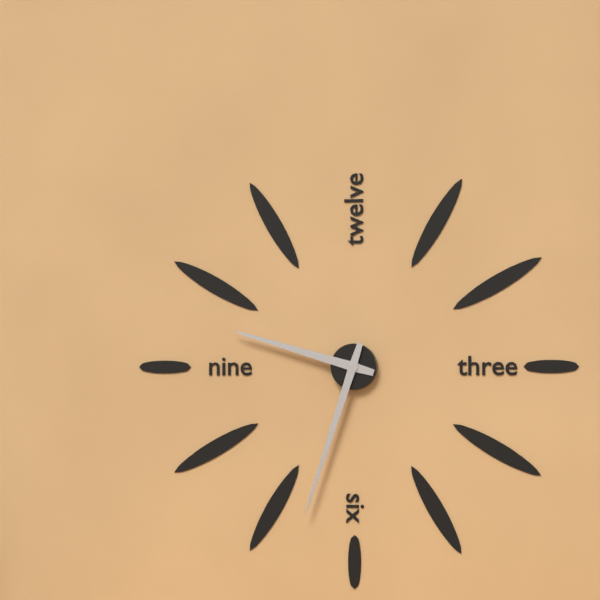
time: 9.33
